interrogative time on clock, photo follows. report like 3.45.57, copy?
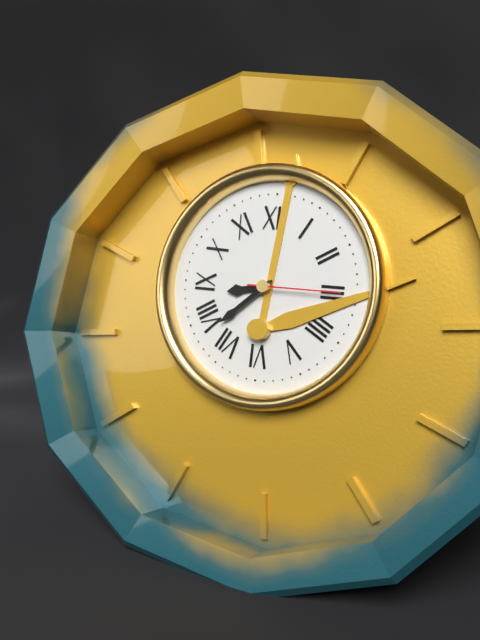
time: 8.38.15
